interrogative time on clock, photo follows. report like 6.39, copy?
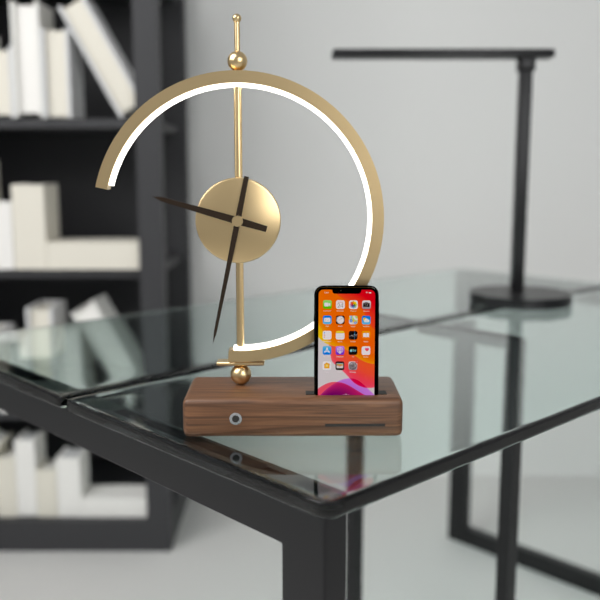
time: 9.32
